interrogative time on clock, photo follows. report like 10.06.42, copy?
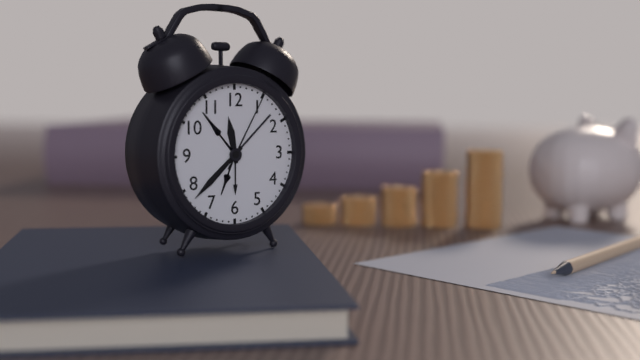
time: 11.38.05
